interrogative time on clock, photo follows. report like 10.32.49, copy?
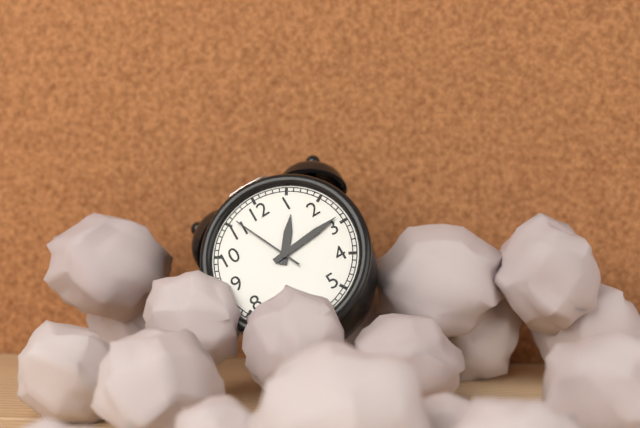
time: 1.14.56
